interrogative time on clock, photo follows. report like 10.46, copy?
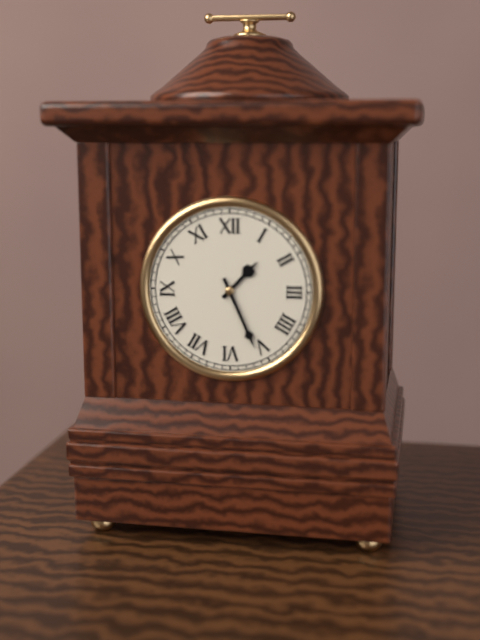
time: 1.26
